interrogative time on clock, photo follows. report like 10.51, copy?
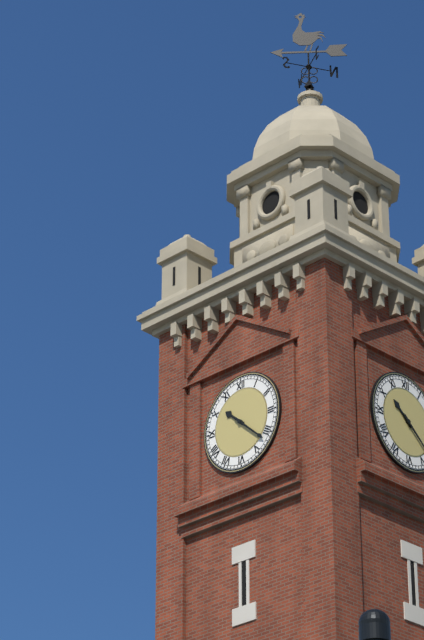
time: 10.22
